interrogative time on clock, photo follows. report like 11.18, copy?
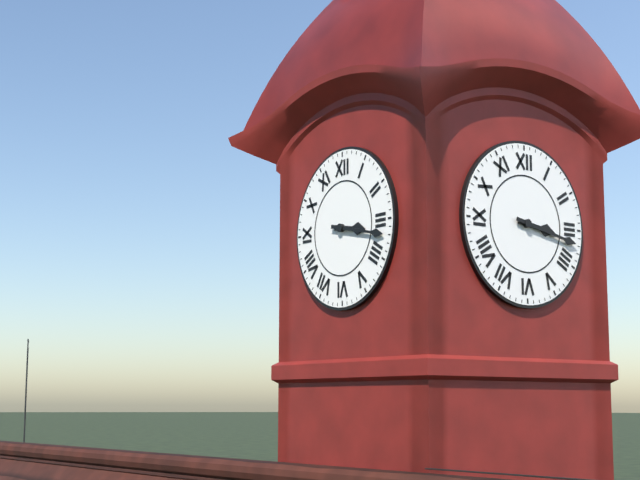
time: 3.17
